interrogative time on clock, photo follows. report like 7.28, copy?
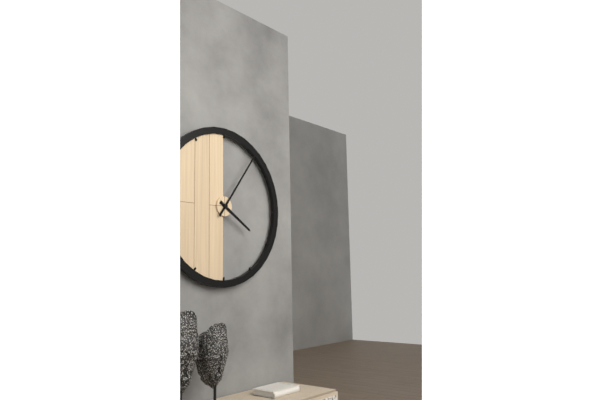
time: 4.06
